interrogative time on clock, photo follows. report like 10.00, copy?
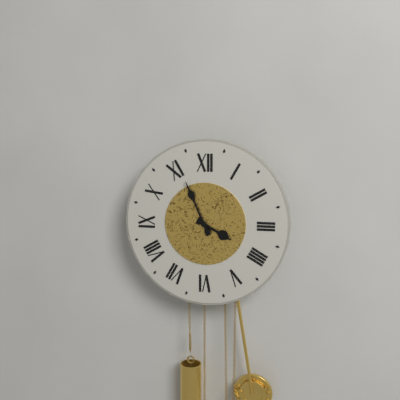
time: 3.56
